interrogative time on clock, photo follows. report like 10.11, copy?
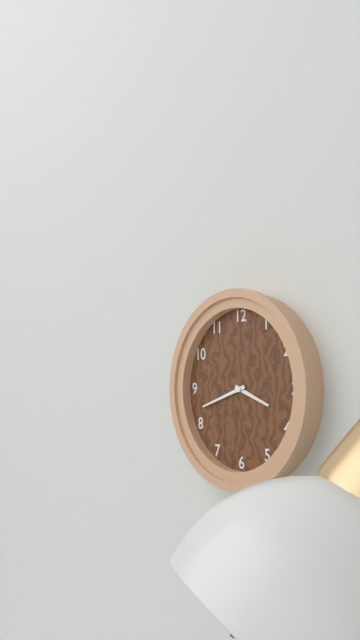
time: 3.42
